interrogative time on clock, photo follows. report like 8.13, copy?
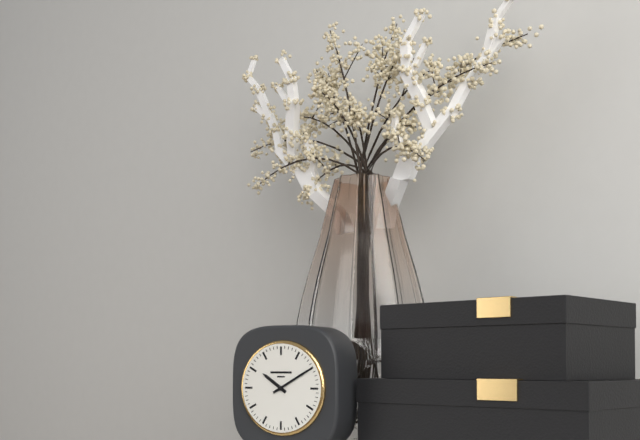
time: 10.10
